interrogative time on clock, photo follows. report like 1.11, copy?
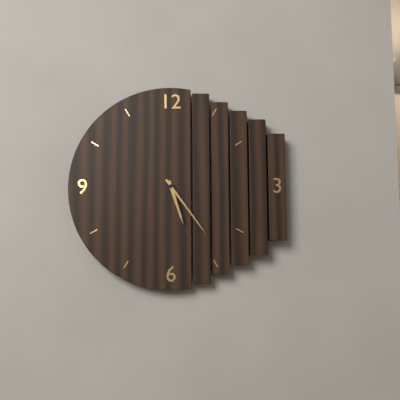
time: 5.24
